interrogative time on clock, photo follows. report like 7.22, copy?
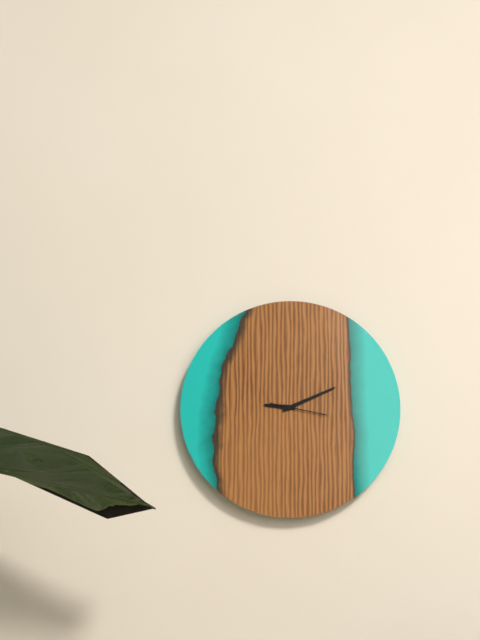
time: 9.11
